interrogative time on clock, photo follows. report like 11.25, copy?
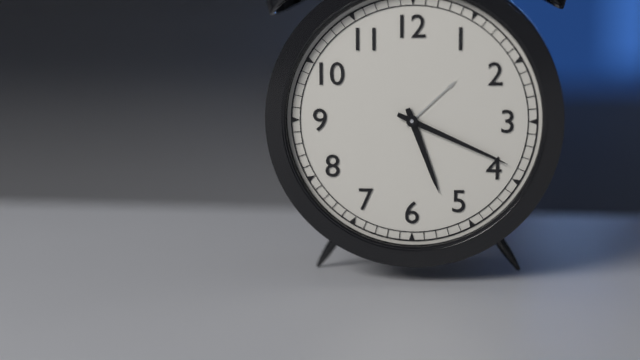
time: 5.19
